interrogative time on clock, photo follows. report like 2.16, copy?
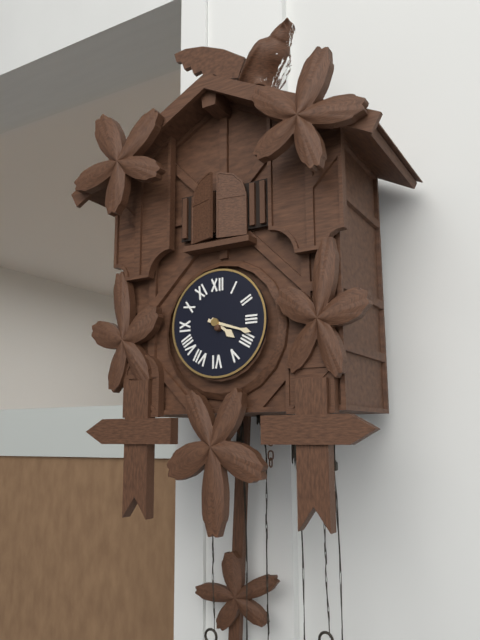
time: 4.18
